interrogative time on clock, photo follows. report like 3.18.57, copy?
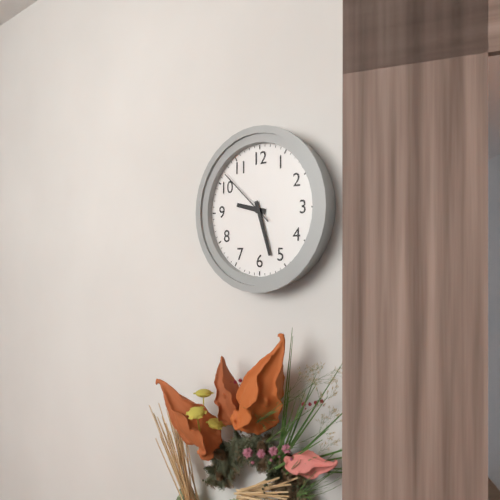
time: 9.27.52
